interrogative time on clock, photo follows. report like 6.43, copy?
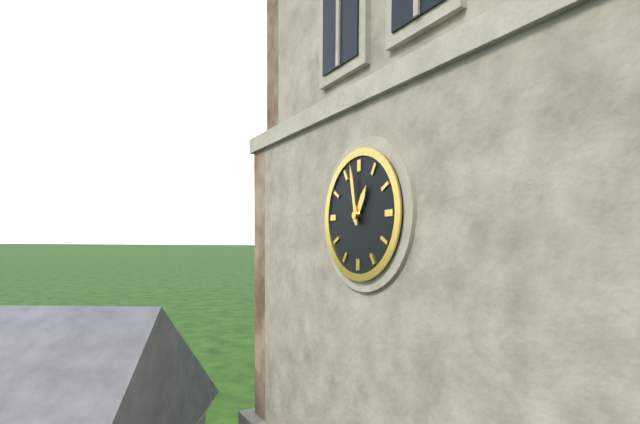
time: 12.58
